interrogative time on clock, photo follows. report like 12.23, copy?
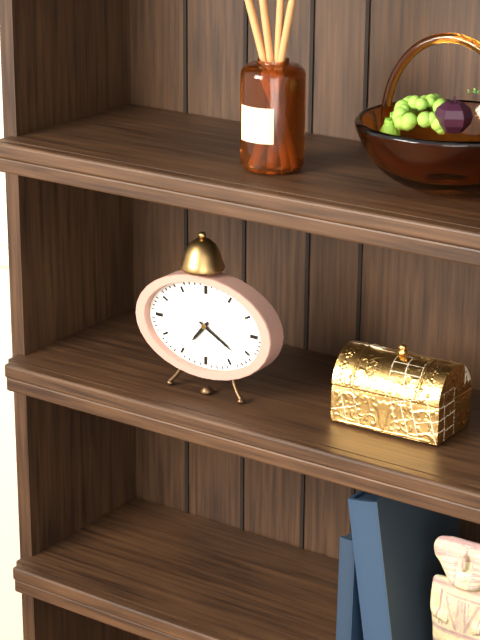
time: 7.20
